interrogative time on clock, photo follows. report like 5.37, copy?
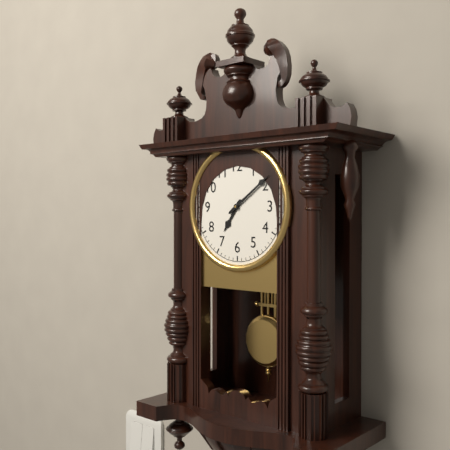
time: 7.09
